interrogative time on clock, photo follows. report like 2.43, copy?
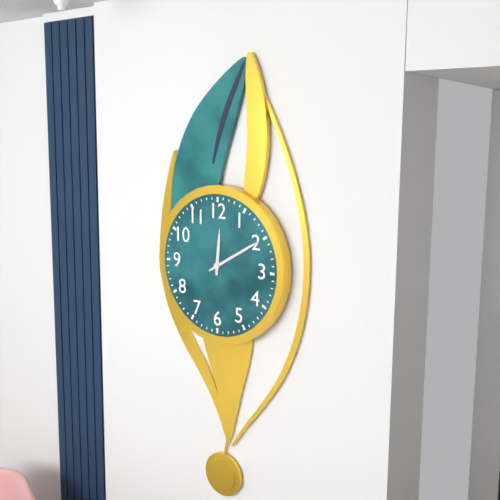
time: 12.10
